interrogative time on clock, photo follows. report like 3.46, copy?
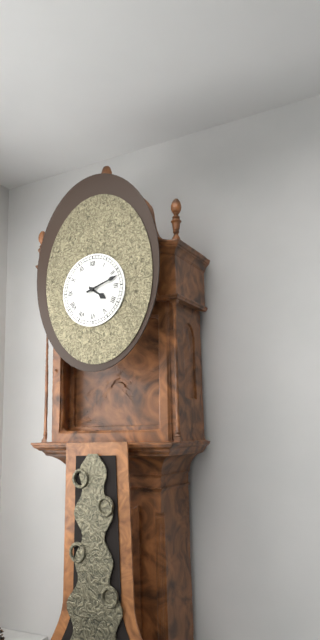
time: 4.12
